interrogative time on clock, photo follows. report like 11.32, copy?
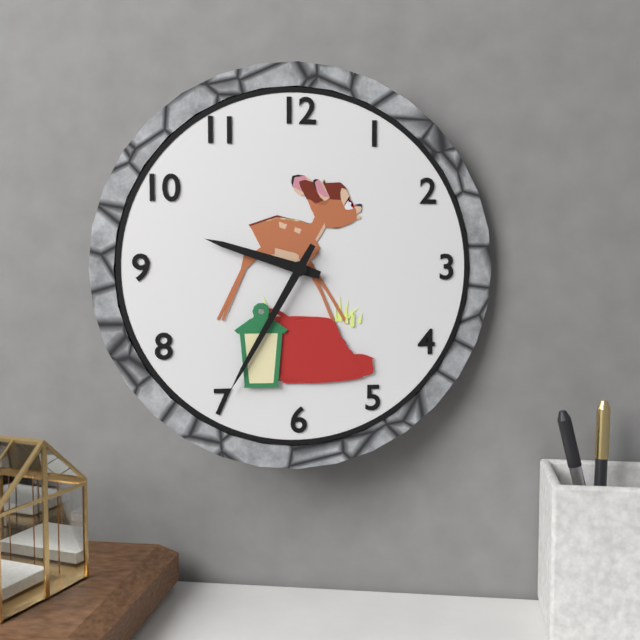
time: 9.35
